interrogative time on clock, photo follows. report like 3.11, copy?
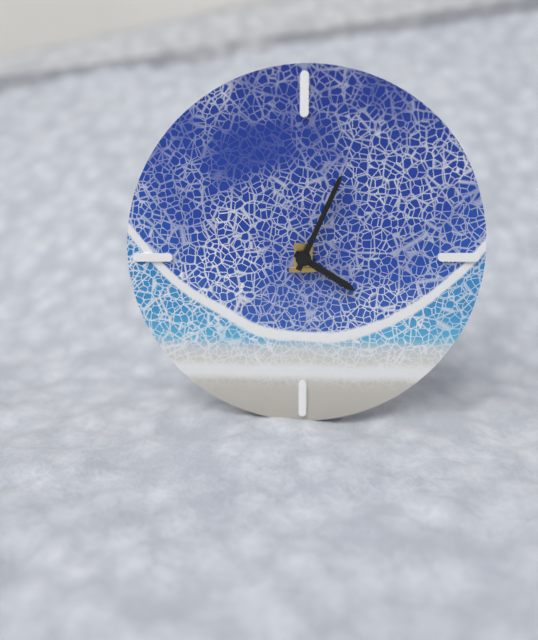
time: 4.04
